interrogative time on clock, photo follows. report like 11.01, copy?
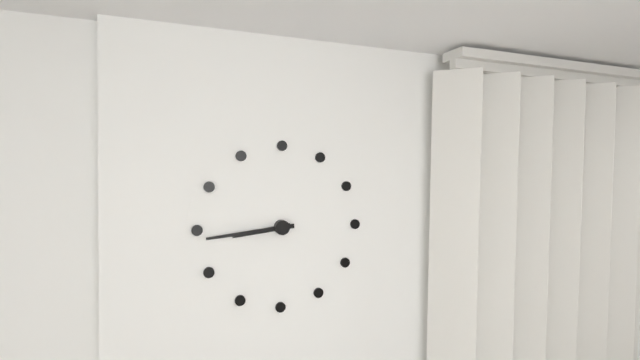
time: 8.44
